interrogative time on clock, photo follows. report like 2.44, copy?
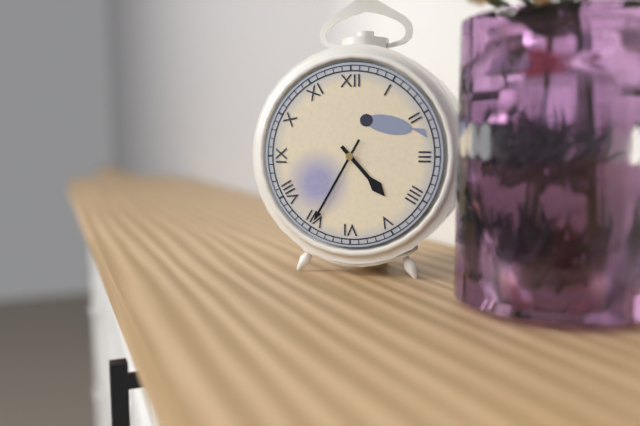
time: 4.35
